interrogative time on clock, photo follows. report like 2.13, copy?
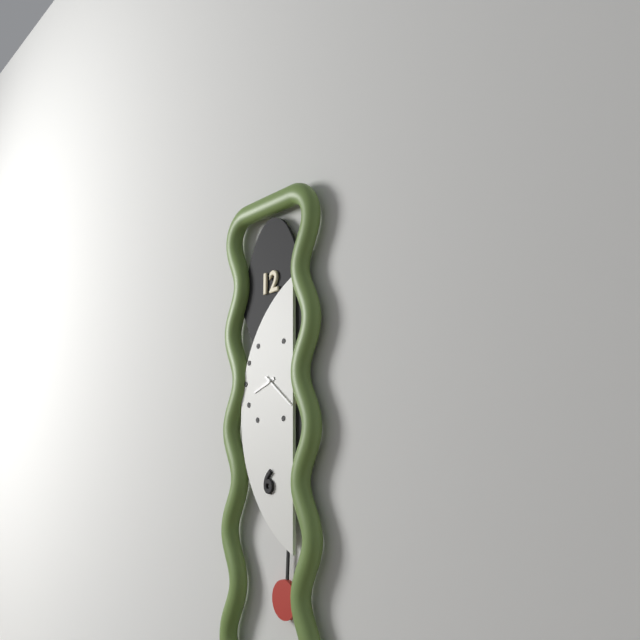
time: 8.21
